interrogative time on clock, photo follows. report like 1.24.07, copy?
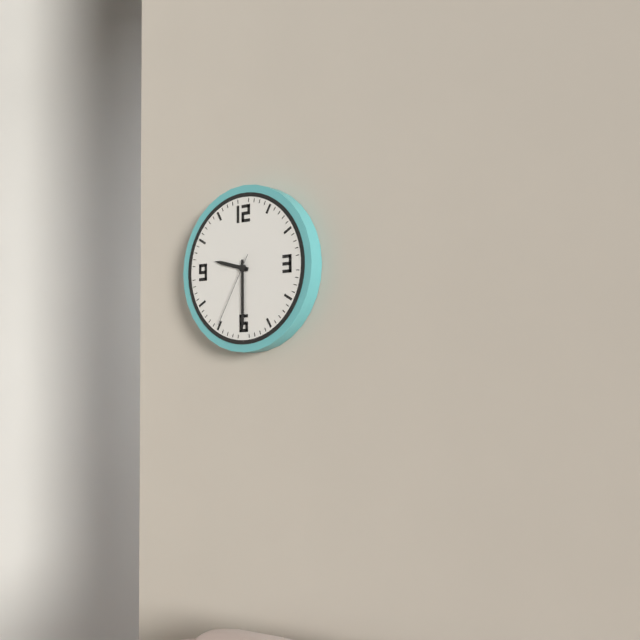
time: 9.30.35
